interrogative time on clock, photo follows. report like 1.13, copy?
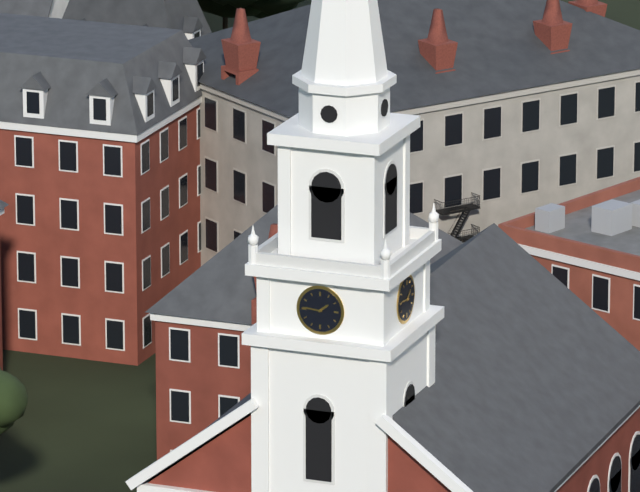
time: 1.46
